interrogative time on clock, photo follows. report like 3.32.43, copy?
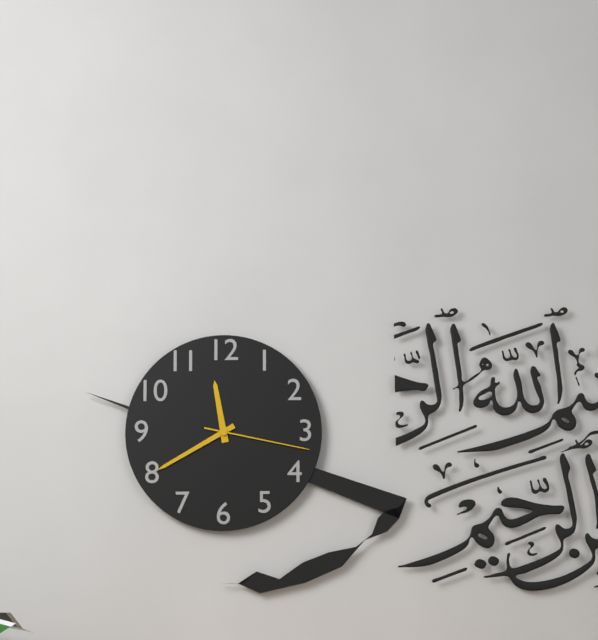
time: 11.40.17
